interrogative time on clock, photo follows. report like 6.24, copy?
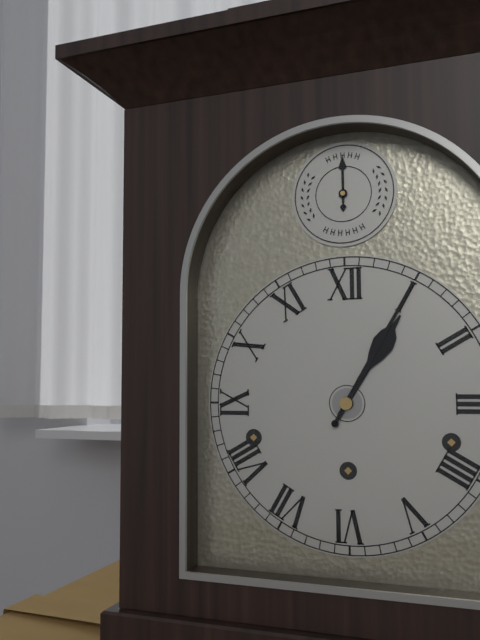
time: 1.05
